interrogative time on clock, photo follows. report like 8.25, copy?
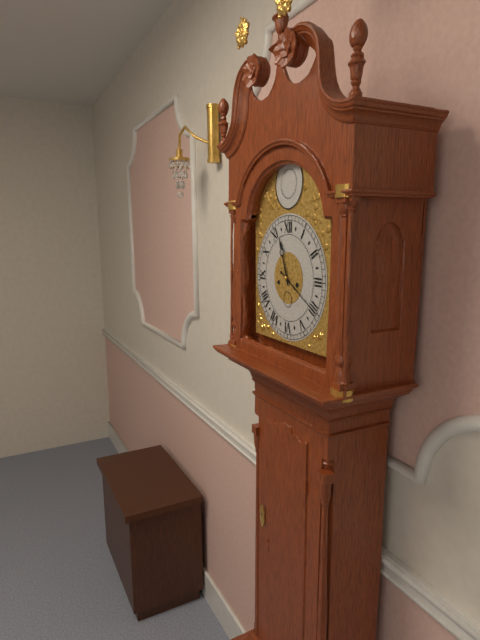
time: 11.20
